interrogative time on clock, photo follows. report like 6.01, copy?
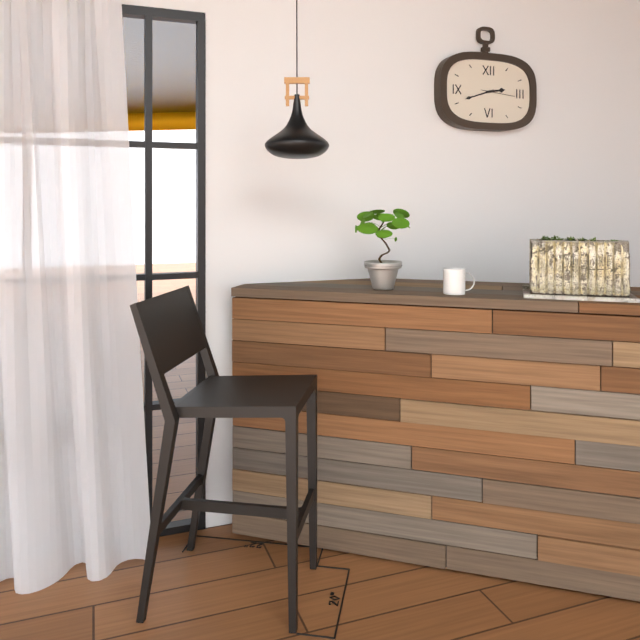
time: 2.42
